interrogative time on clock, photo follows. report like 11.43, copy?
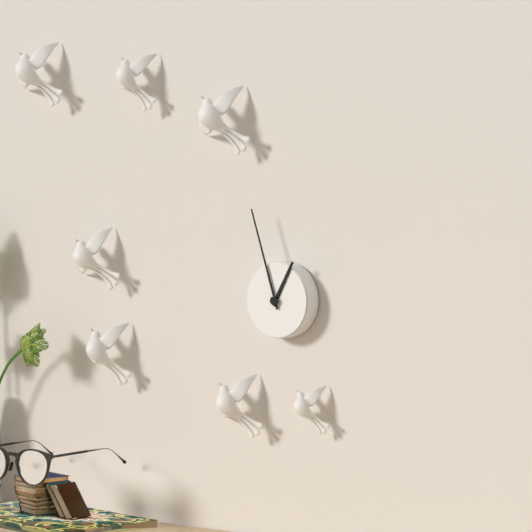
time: 12.57
